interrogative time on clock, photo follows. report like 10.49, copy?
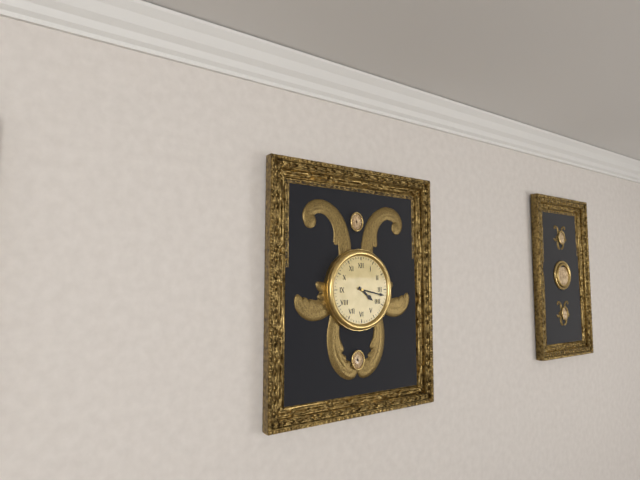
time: 4.17
